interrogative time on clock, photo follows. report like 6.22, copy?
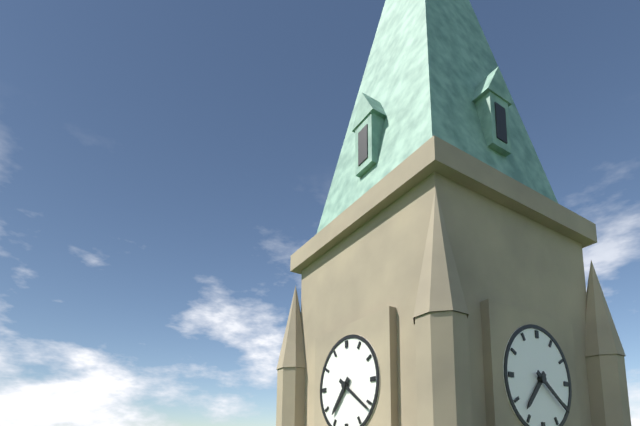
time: 7.21
